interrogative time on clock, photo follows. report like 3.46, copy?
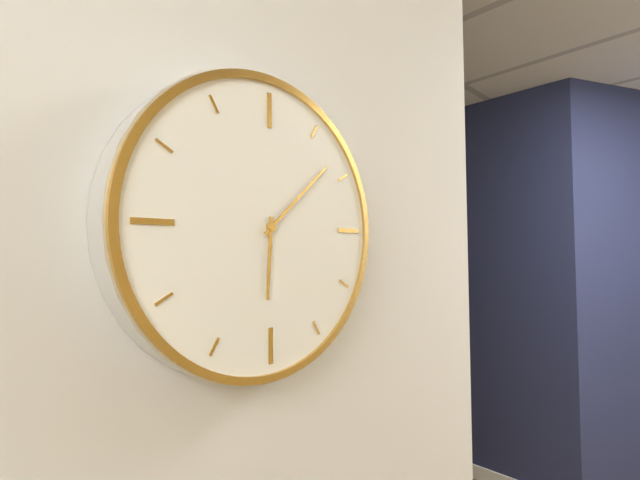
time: 6.08
